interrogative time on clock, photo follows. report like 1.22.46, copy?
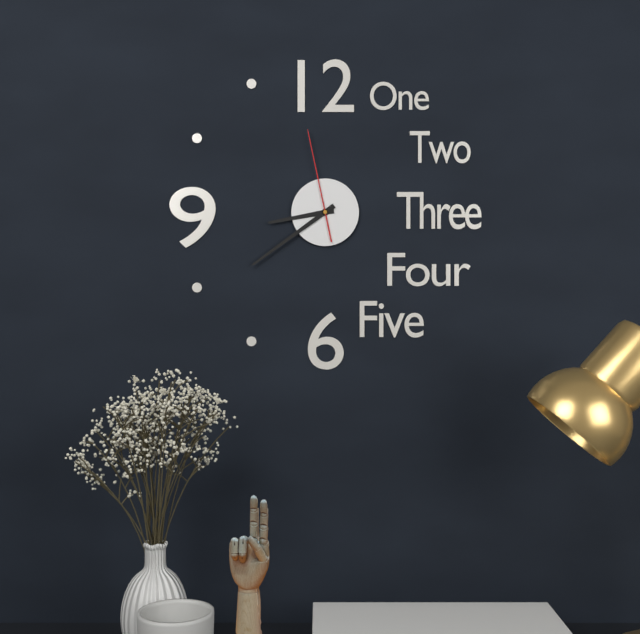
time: 8.39.58
